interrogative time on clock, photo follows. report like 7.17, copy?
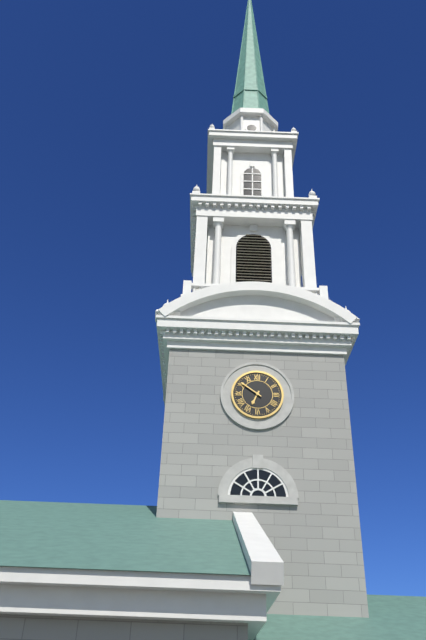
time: 6.51
